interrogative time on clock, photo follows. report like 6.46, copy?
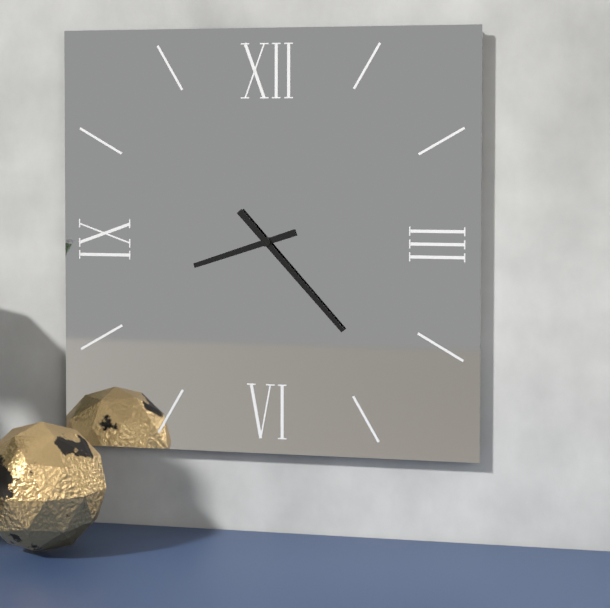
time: 8.23
